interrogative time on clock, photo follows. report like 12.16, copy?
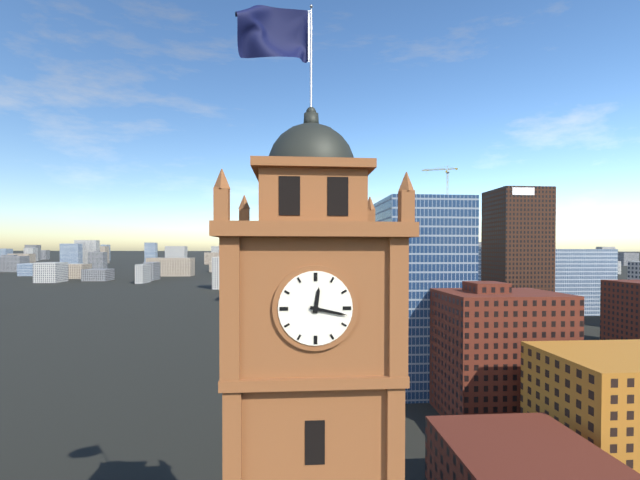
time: 12.17
